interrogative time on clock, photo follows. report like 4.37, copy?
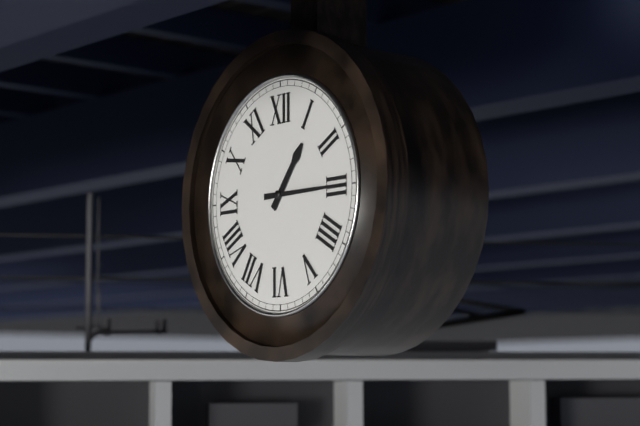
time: 1.15
